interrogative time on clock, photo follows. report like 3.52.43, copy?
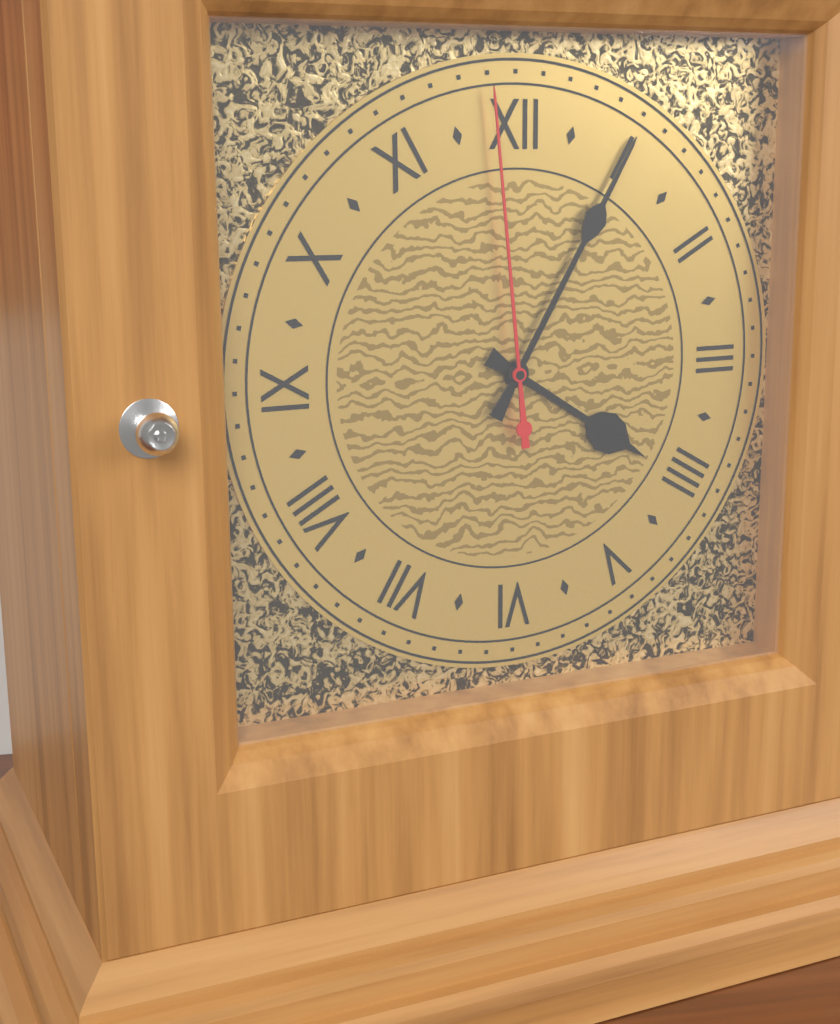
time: 4.05.59
